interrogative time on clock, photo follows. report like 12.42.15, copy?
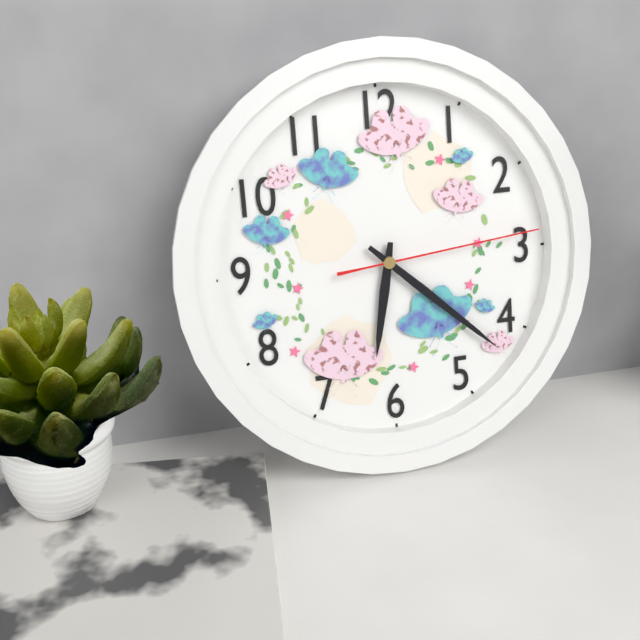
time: 6.22.14
